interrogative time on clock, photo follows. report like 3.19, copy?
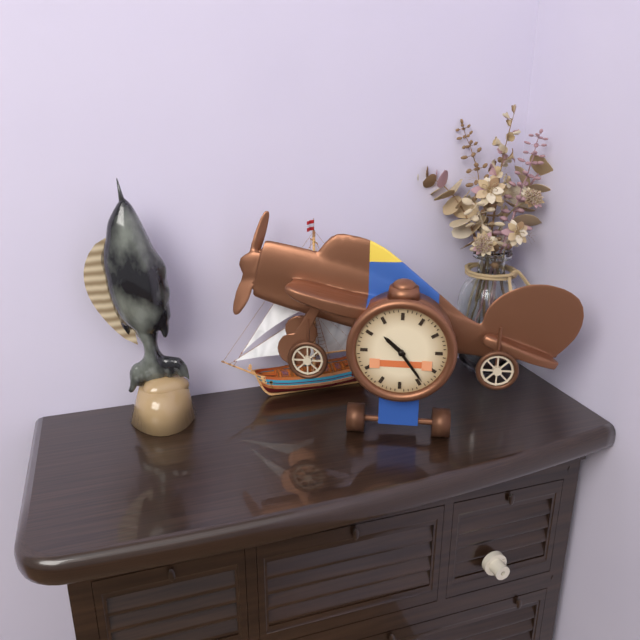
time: 10.24
